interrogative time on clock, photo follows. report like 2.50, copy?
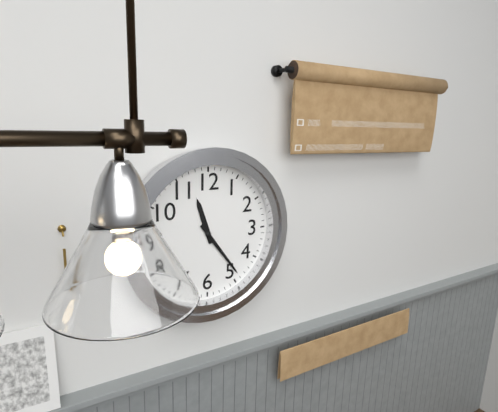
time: 11.24
